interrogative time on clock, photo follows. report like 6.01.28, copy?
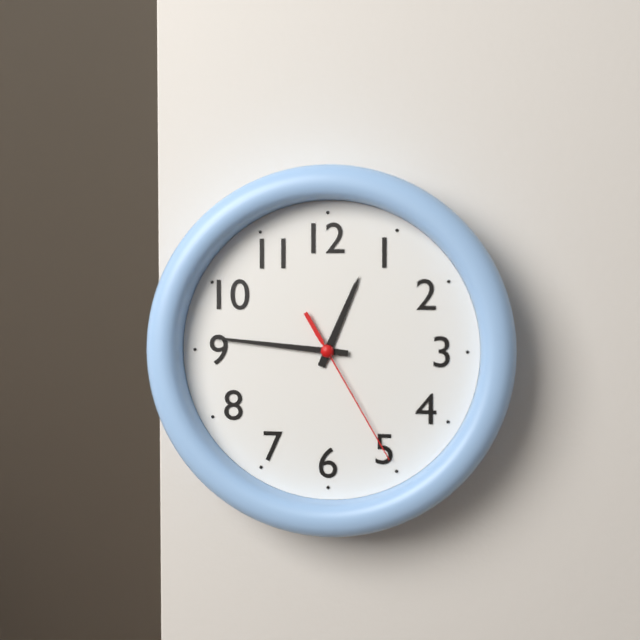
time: 12.46.25
